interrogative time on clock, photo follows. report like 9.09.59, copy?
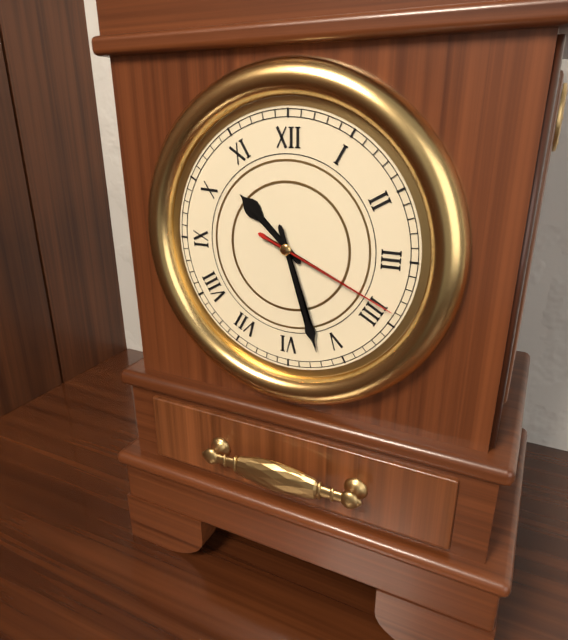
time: 10.27.19
